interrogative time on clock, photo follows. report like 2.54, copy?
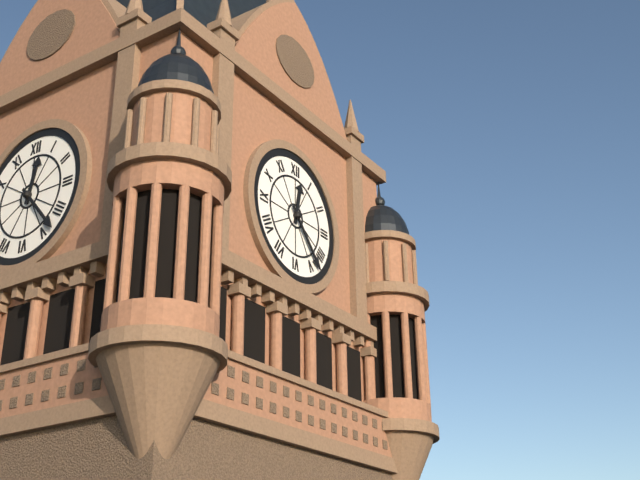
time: 12.23
